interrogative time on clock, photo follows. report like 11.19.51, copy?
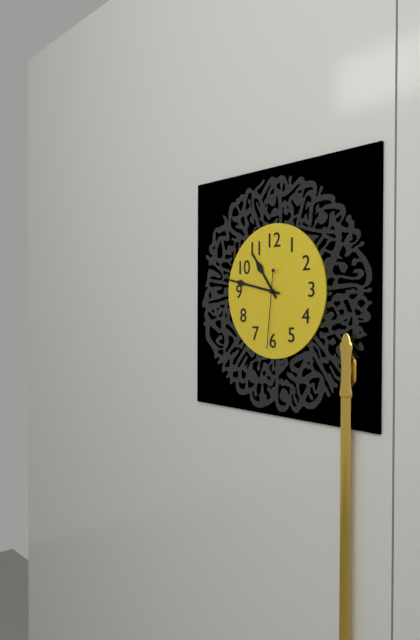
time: 10.47.31
